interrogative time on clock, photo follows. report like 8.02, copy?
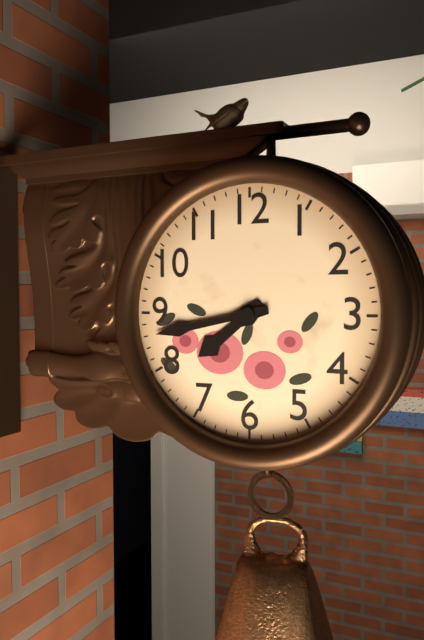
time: 7.43
